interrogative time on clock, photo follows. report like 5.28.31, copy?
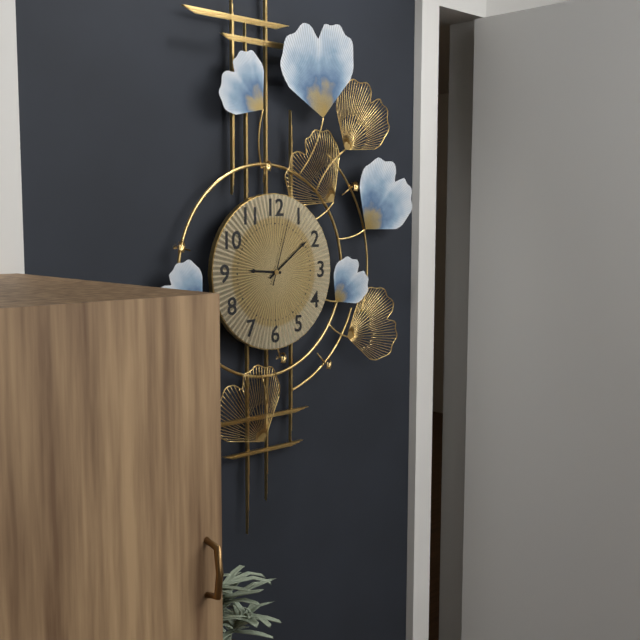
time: 9.09.03
